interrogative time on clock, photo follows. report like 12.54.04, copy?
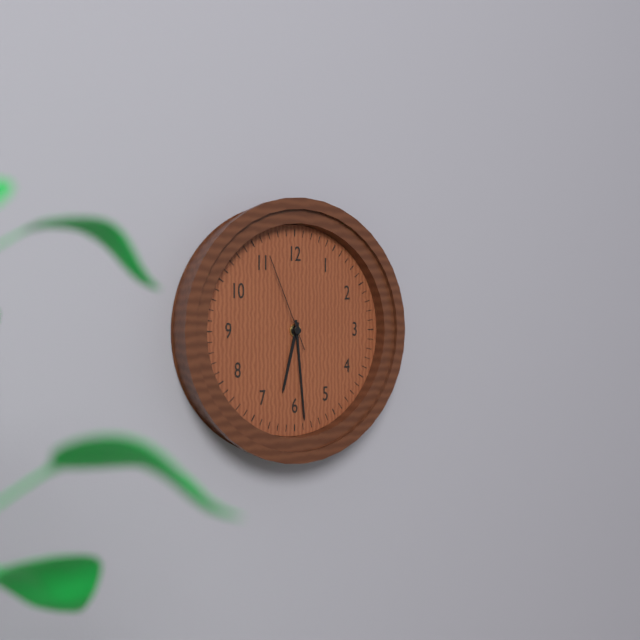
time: 6.29.56
